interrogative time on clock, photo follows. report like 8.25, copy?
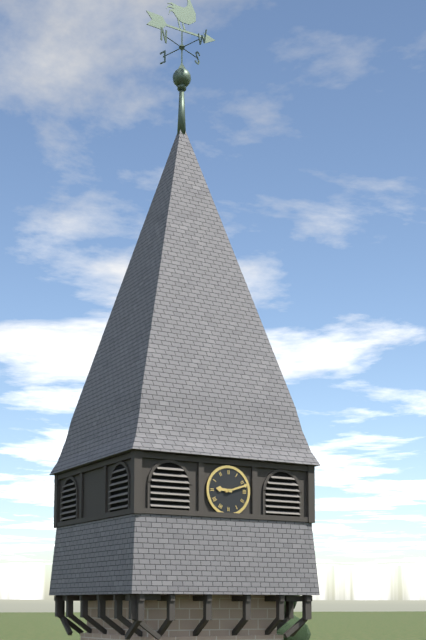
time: 9.12
